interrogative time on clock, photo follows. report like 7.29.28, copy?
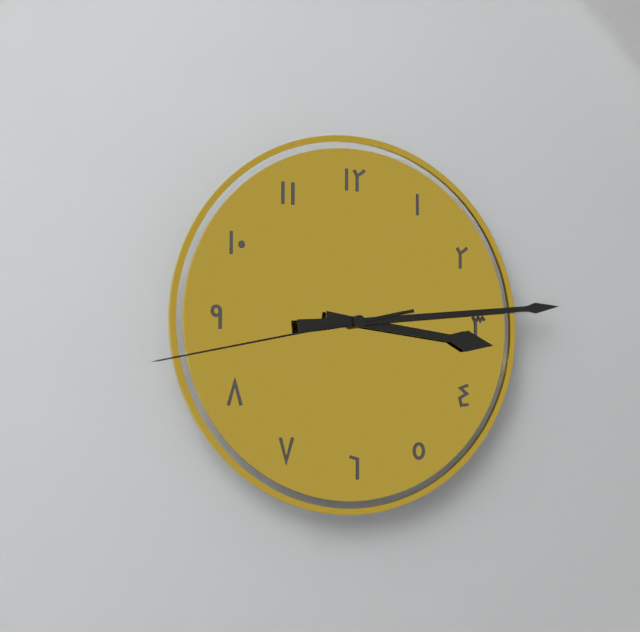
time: 3.14.43
